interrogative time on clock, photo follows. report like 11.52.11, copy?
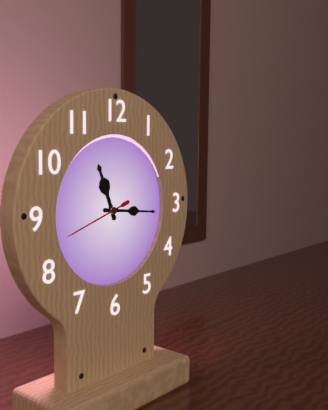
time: 11.16.42
